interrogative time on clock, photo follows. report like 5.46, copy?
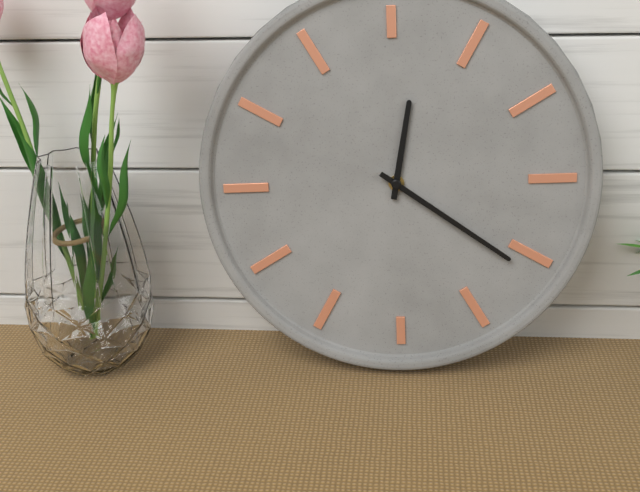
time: 12.21
